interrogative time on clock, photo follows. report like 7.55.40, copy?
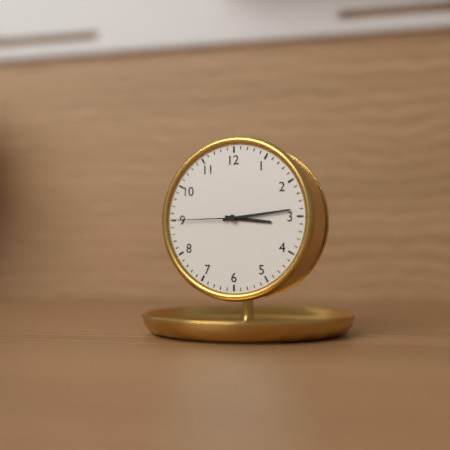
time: 3.14.45
